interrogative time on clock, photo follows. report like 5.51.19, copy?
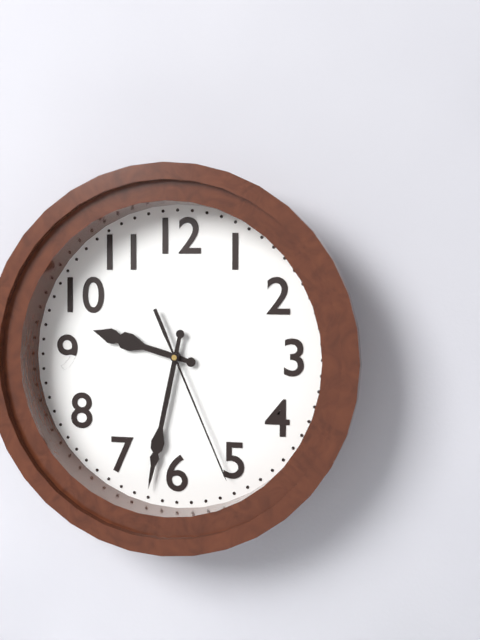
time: 9.32.26
